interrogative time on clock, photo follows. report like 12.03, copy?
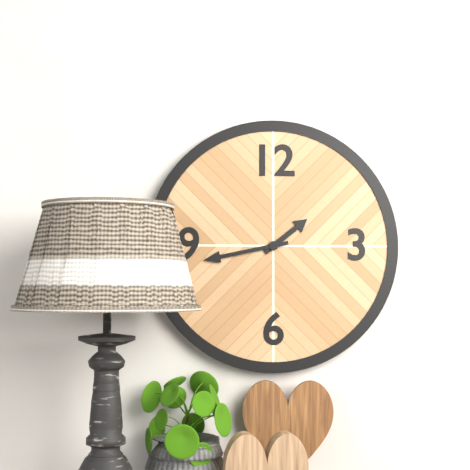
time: 1.43
